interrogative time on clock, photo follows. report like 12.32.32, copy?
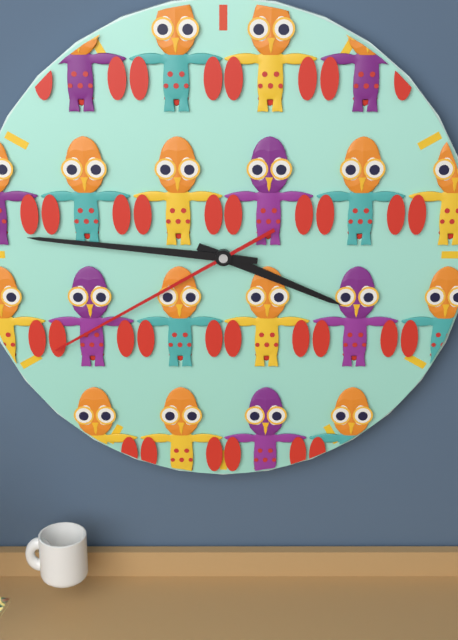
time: 3.46.40
